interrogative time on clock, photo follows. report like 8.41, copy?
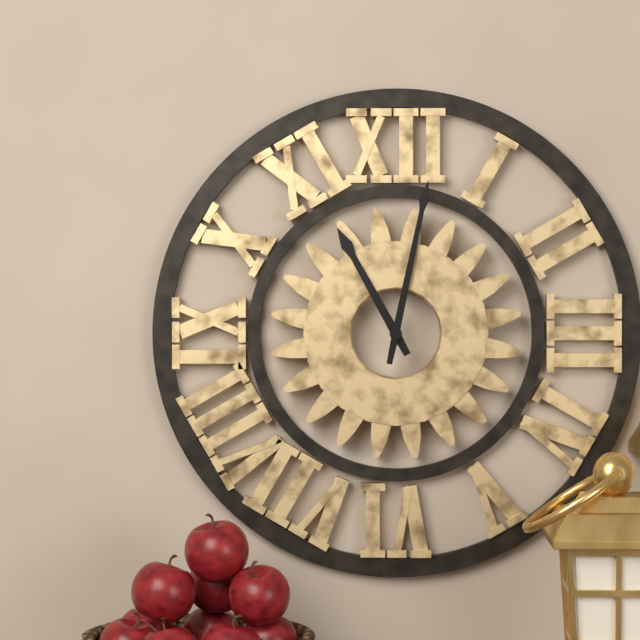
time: 11.02
